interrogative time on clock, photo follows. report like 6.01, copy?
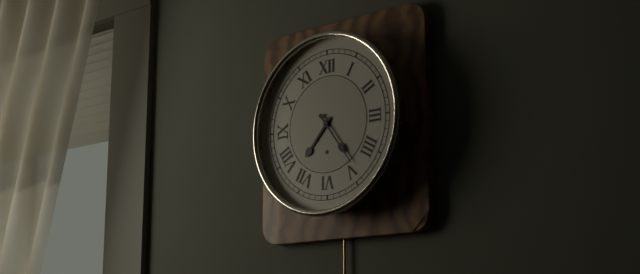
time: 7.24
